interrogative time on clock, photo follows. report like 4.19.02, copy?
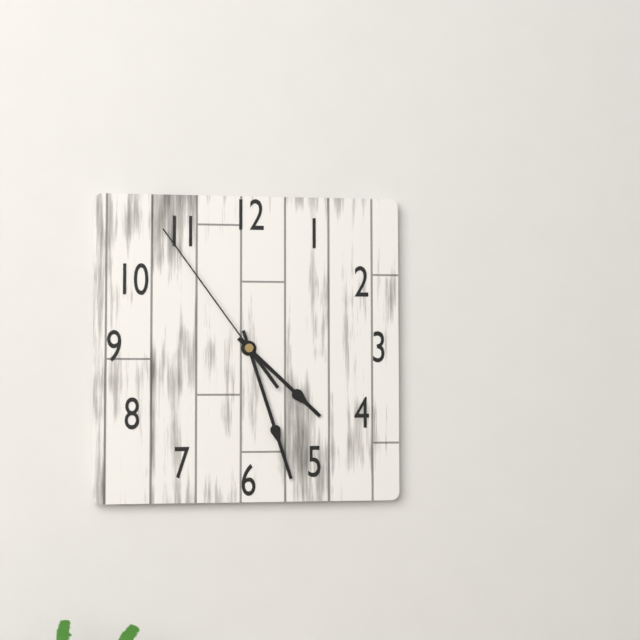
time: 4.27.54
